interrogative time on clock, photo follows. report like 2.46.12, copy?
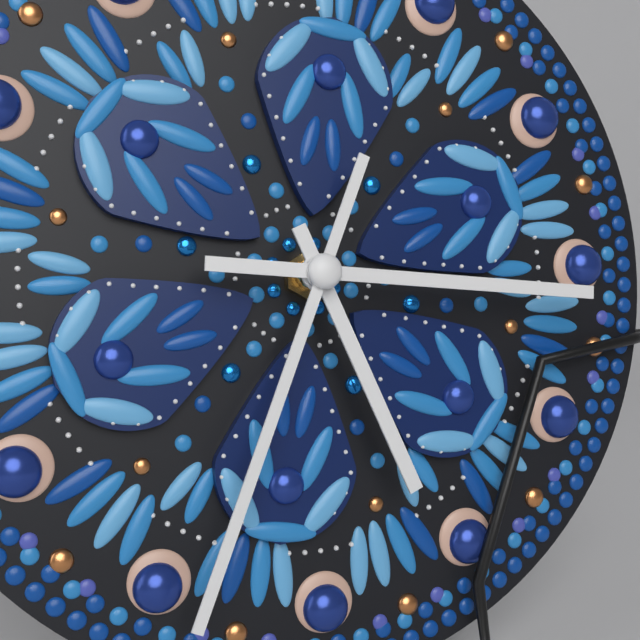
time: 5.16.34
